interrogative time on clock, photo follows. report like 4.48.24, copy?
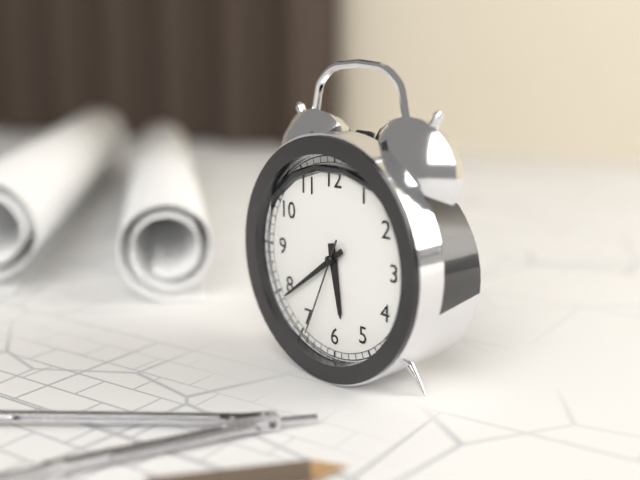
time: 5.39.34
